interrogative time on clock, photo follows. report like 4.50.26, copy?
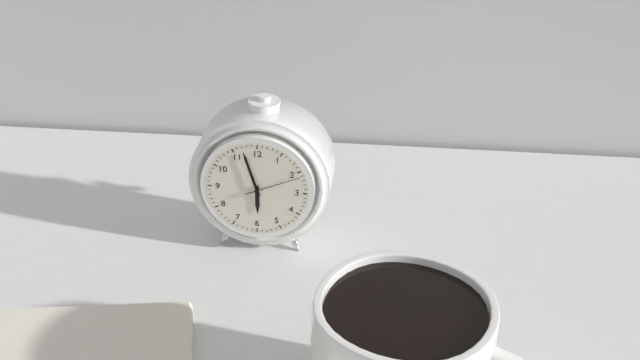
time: 5.57.11
